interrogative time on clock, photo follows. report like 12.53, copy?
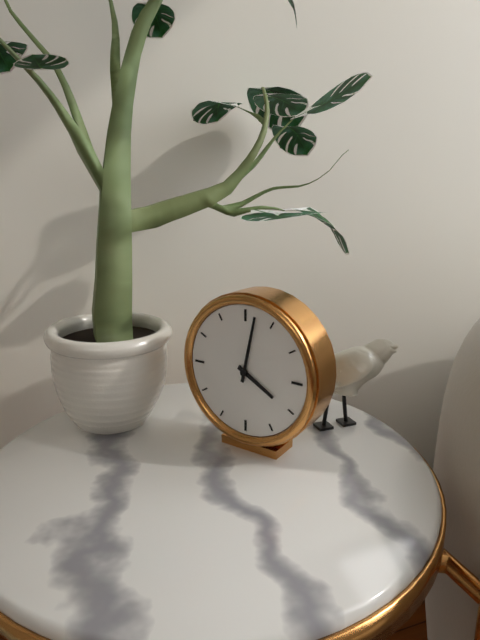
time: 4.02
